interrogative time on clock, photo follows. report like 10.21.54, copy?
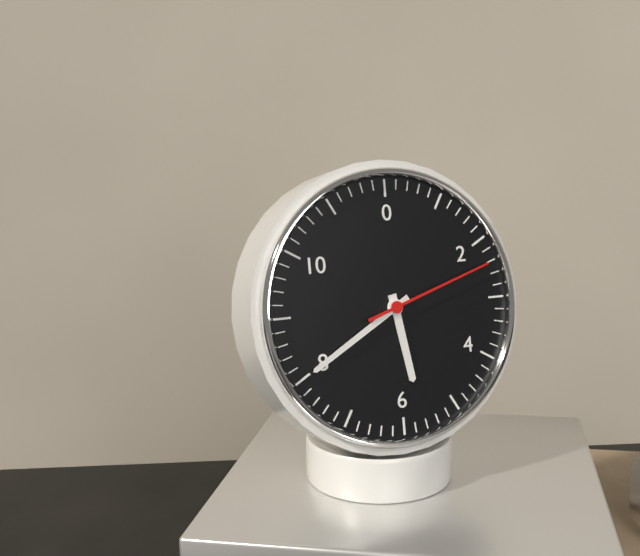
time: 5.40.12
